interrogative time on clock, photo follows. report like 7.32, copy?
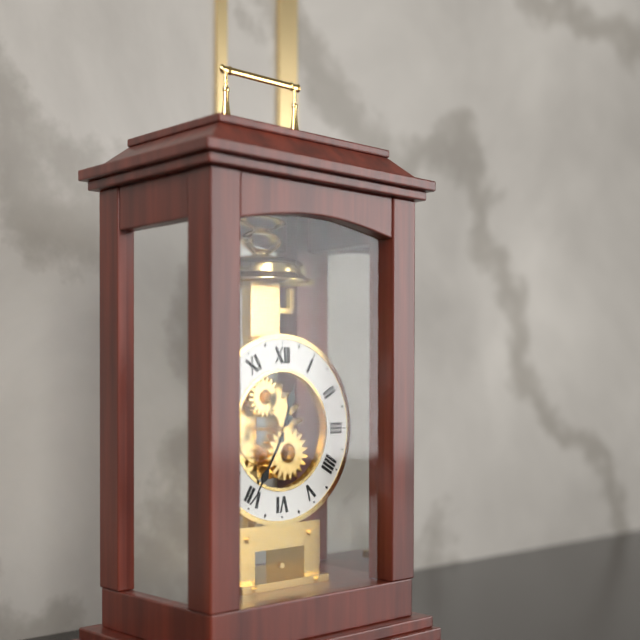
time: 12.35
